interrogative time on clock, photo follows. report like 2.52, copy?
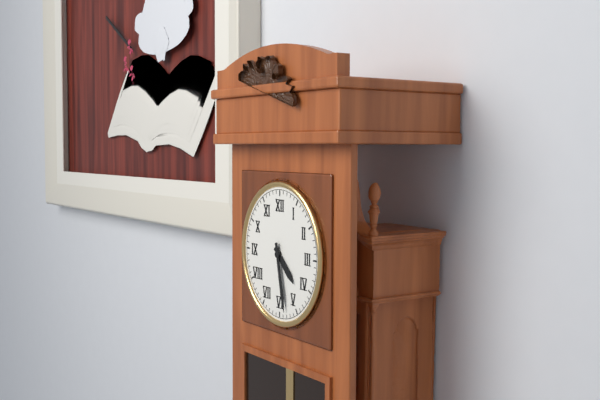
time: 4.28
